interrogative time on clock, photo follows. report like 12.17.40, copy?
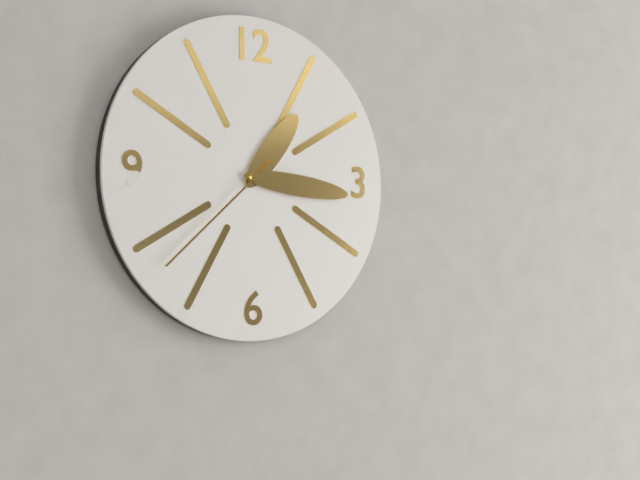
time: 1.16.38
